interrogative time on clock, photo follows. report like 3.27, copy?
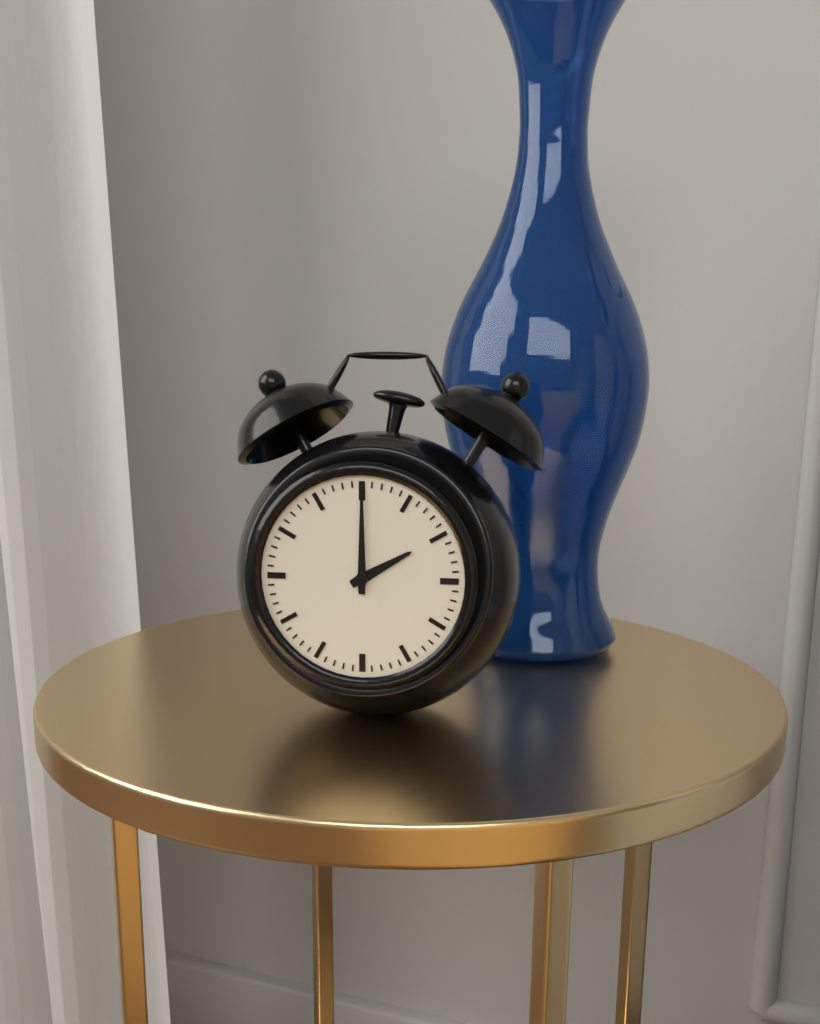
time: 2.00
